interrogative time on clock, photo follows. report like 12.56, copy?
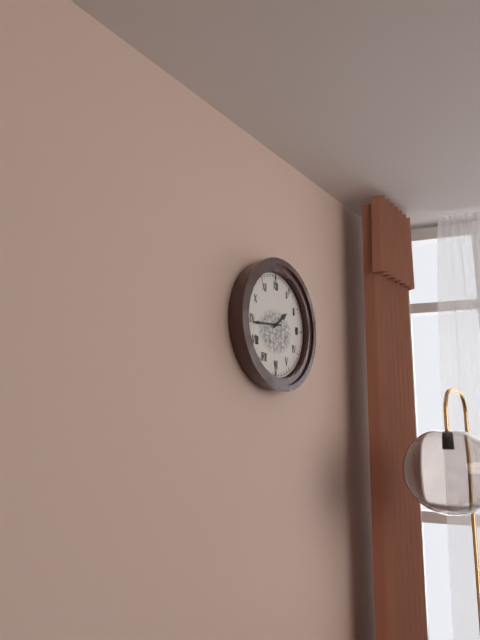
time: 1.44
